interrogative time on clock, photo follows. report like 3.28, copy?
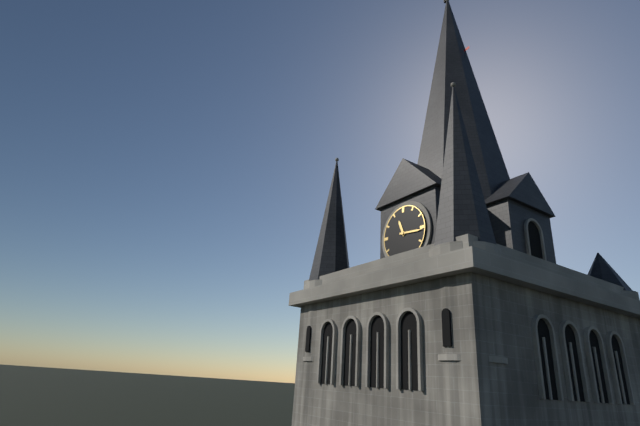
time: 11.16
